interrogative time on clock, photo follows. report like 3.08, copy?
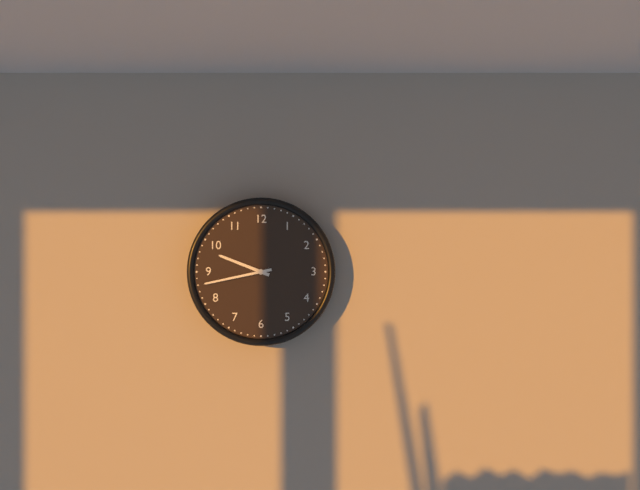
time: 9.43
